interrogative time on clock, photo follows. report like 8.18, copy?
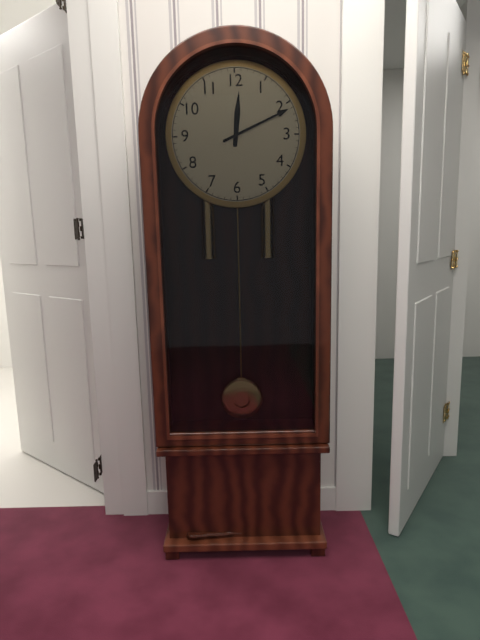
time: 12.11
